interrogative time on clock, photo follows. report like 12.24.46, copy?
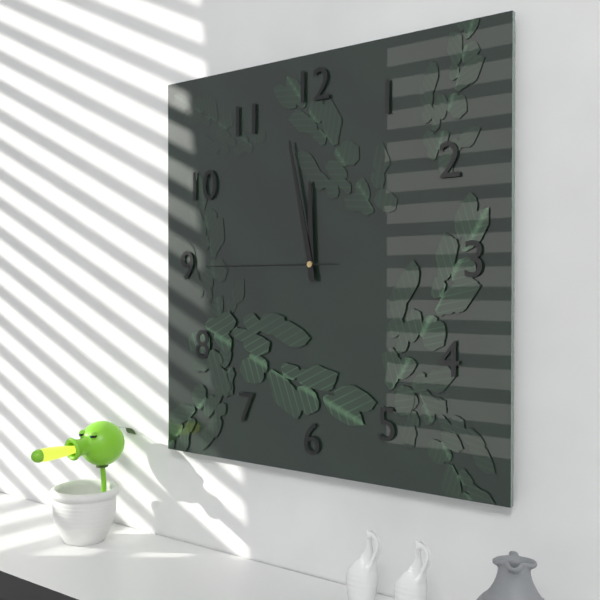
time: 11.58.45
